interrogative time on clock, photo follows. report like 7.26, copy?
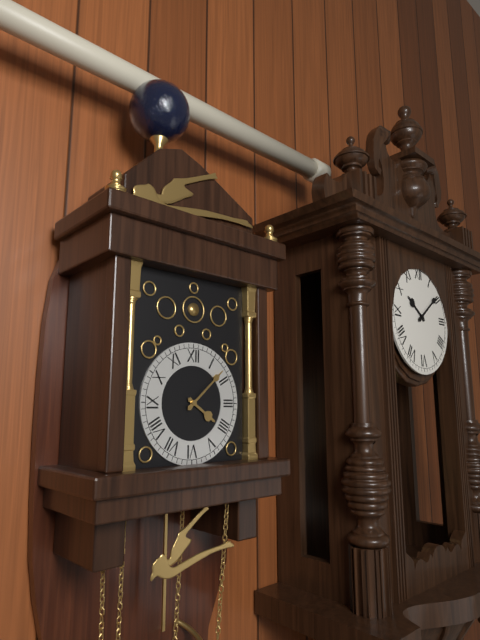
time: 4.08
